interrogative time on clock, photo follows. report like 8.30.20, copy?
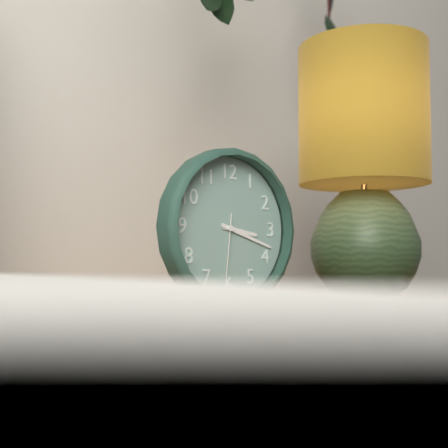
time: 3.18.31
